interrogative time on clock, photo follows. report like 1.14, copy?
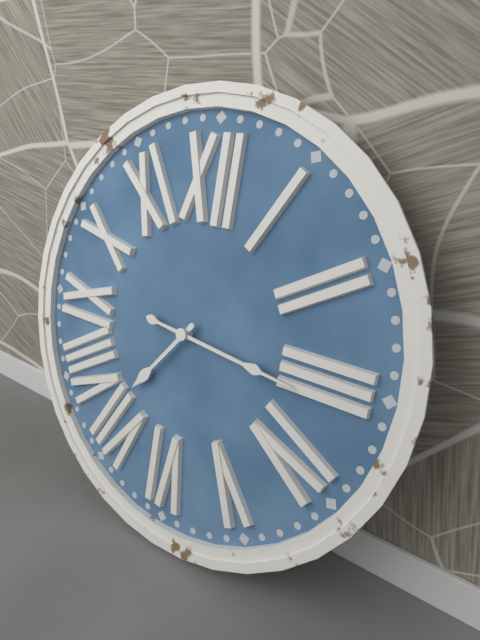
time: 7.16
